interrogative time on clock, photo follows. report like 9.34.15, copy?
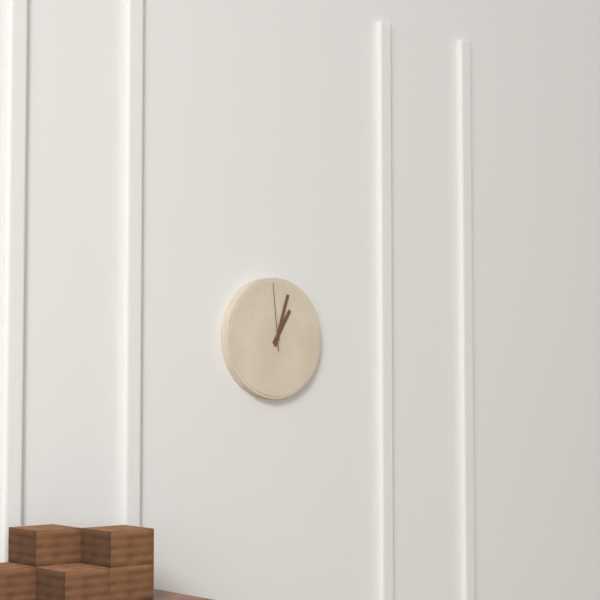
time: 1.03.59
